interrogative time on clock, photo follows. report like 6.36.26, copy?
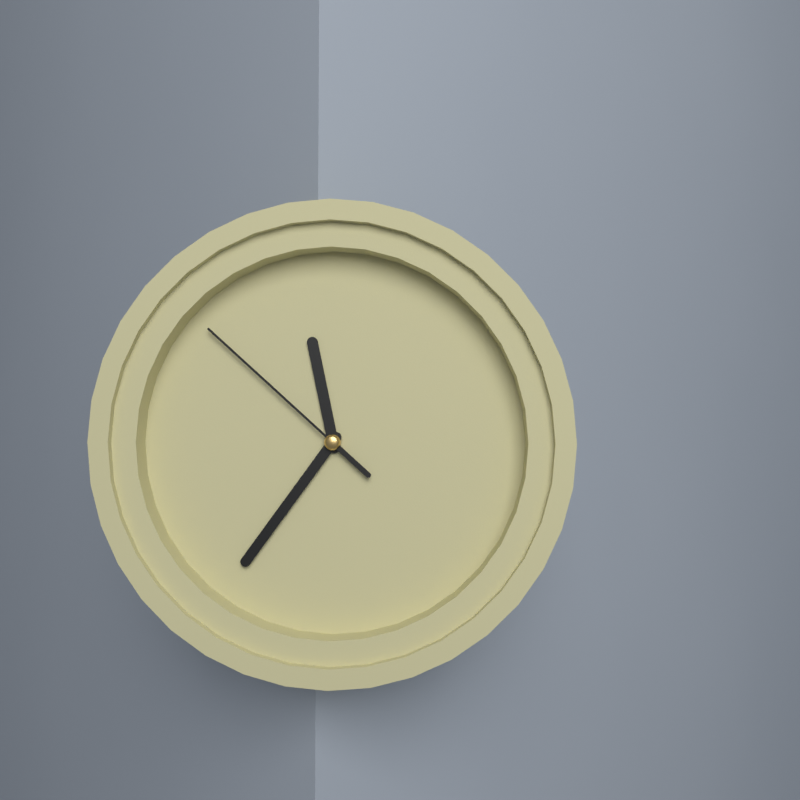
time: 11.36.52
